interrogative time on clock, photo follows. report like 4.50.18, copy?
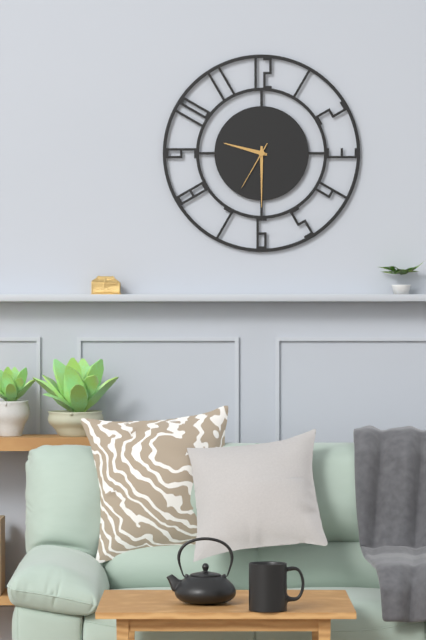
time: 9.30.35
